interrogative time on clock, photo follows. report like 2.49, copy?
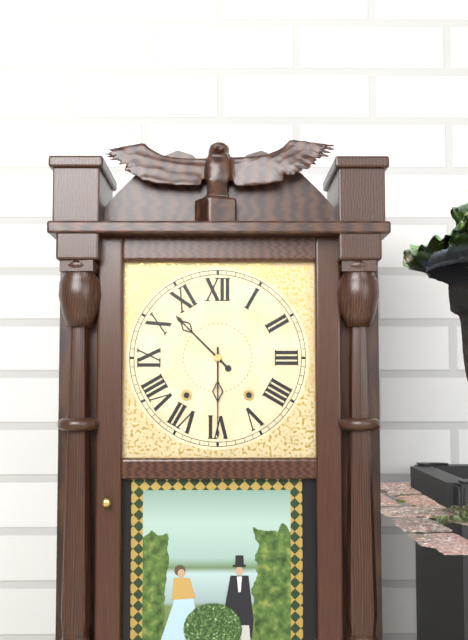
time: 10.30
